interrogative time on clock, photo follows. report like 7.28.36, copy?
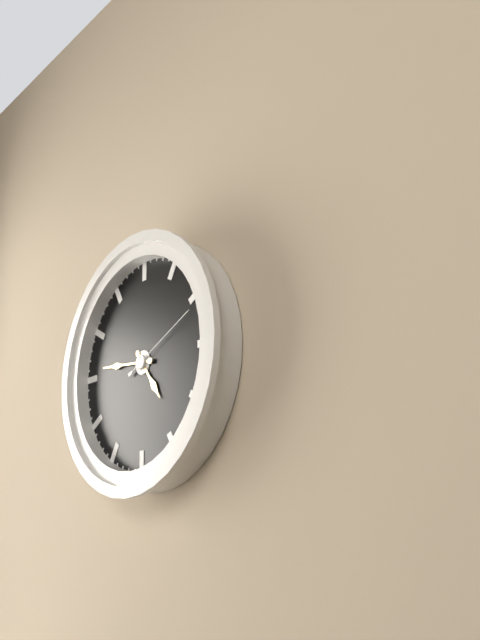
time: 4.46.11
